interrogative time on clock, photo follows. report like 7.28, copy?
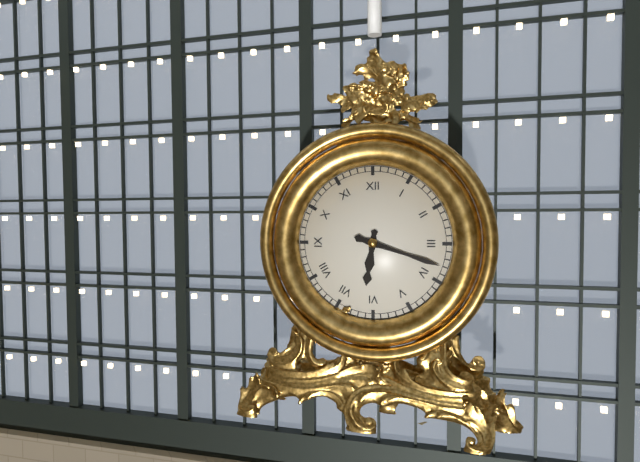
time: 6.18
